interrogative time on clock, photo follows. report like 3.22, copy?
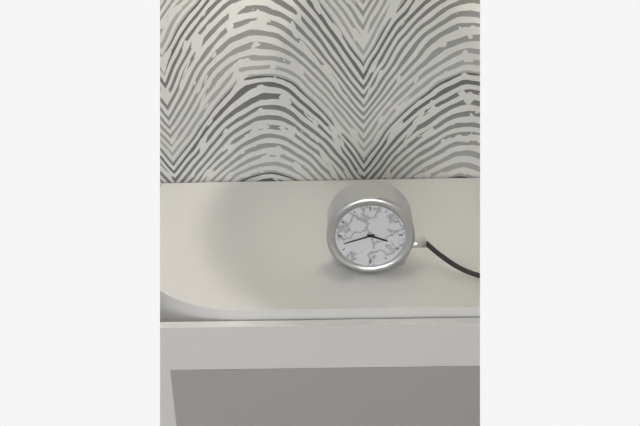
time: 3.42
